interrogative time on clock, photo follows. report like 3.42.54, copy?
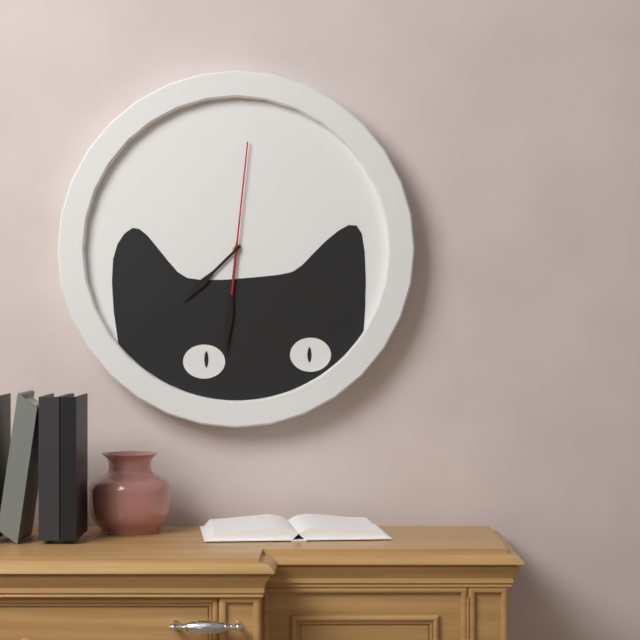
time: 7.31.01
